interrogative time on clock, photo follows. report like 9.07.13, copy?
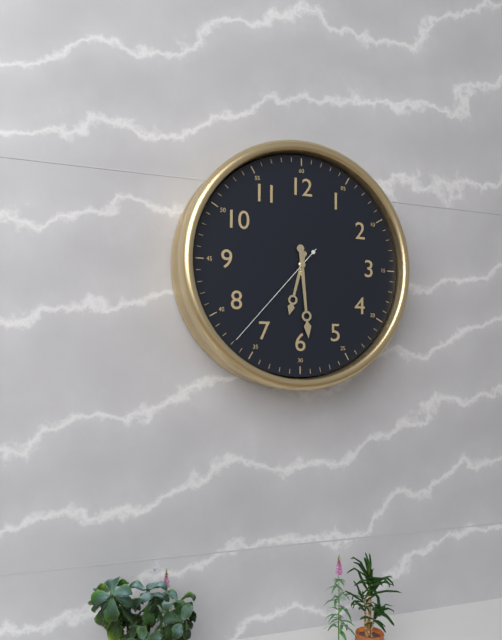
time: 6.29.37
